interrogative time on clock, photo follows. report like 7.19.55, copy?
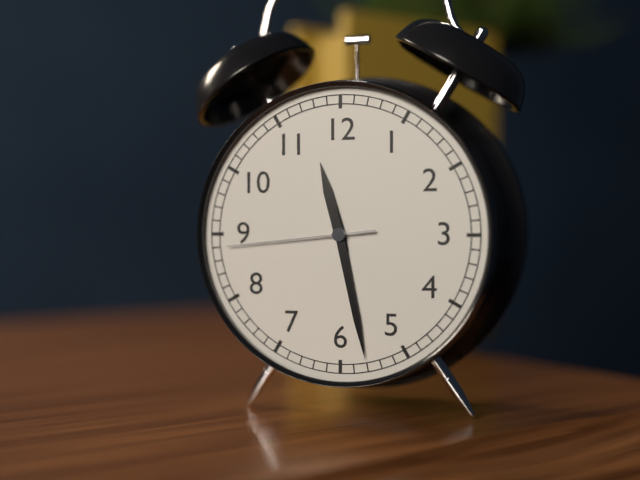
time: 11.28.44
